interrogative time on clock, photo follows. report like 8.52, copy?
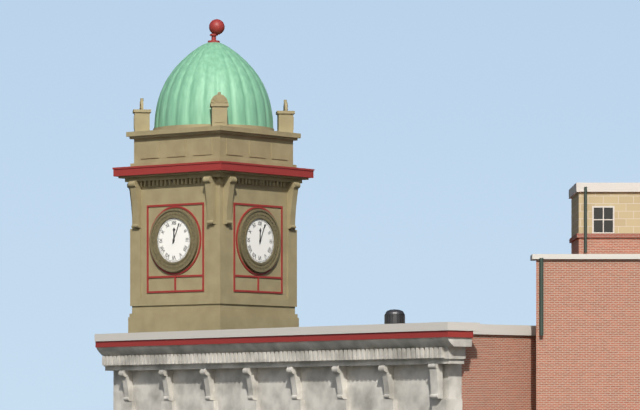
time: 12.04
